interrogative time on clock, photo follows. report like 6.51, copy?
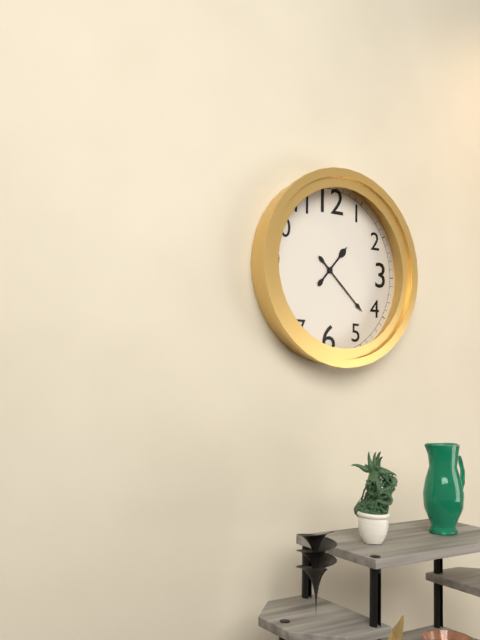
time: 1.22
